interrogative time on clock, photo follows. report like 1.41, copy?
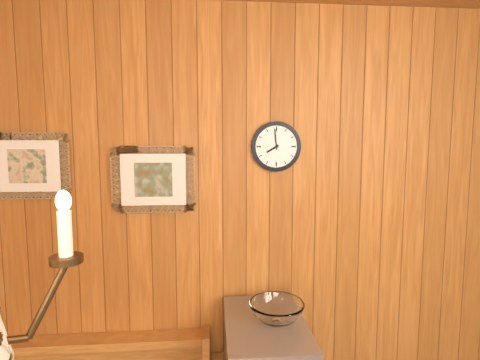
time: 7.59
